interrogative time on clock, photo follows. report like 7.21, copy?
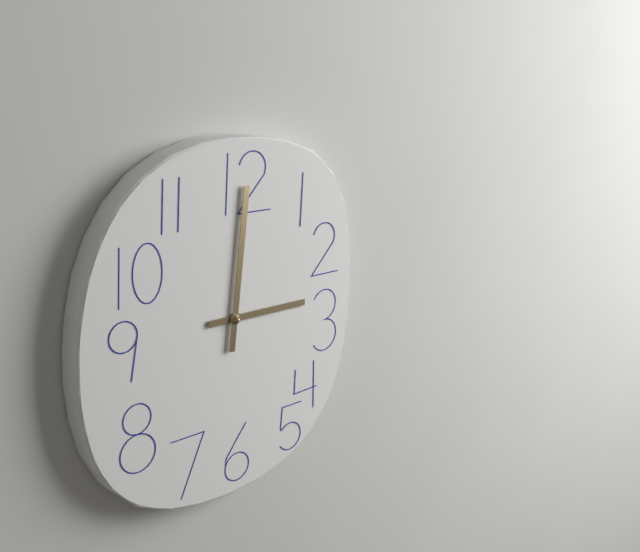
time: 3.01
